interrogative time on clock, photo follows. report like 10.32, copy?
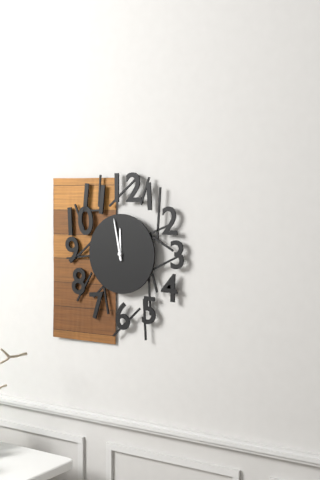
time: 11.58
